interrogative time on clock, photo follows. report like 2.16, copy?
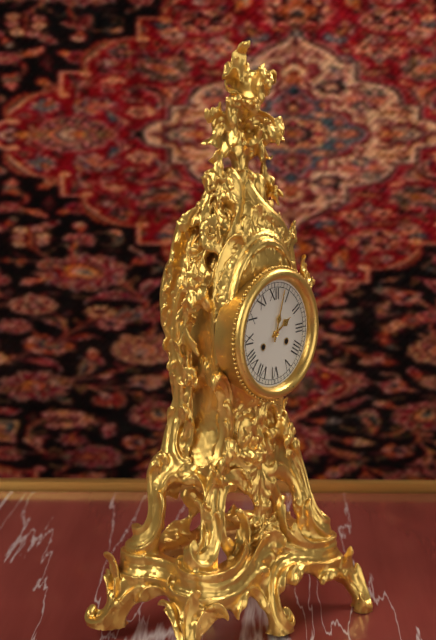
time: 2.03
